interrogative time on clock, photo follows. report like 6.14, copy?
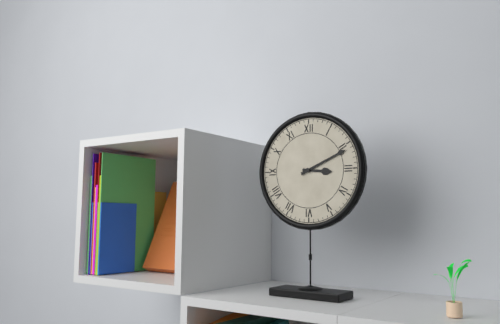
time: 3.11
